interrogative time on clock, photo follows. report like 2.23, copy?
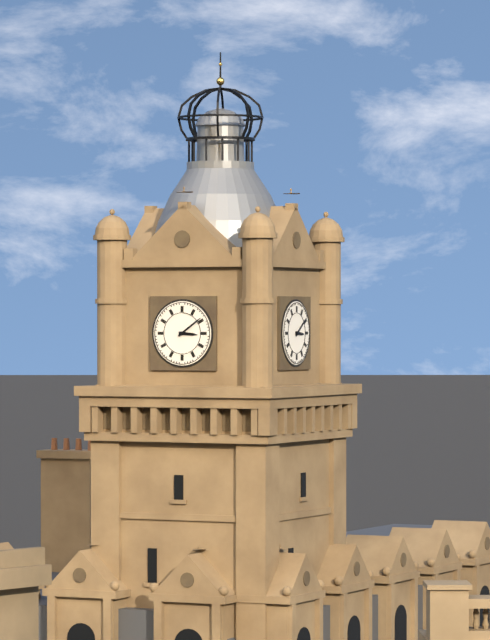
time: 3.09
